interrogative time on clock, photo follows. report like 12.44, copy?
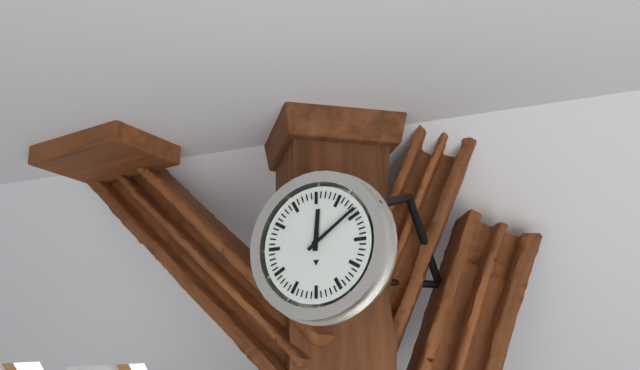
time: 12.09
